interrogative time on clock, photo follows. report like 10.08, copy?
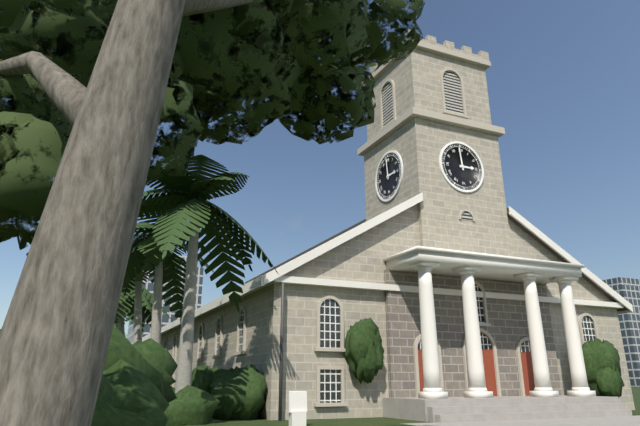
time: 2.59
